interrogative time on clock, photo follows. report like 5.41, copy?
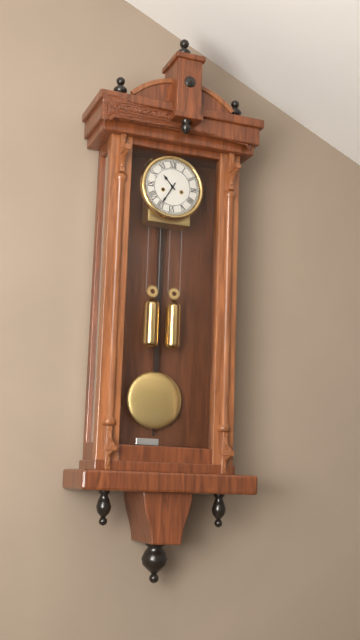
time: 10.35
